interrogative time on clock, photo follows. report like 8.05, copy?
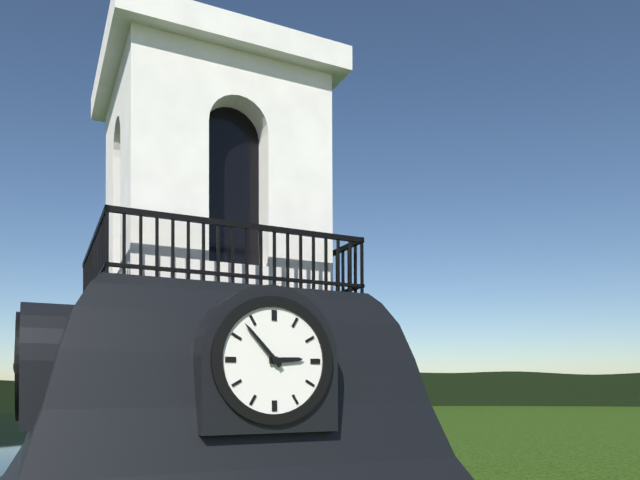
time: 2.53
